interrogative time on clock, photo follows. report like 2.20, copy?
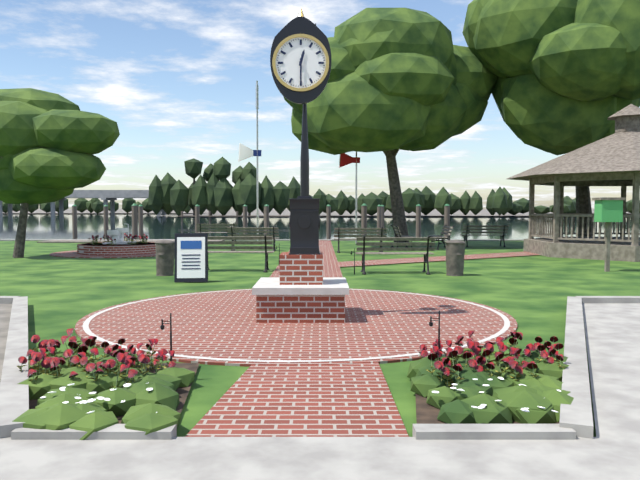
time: 12.30
